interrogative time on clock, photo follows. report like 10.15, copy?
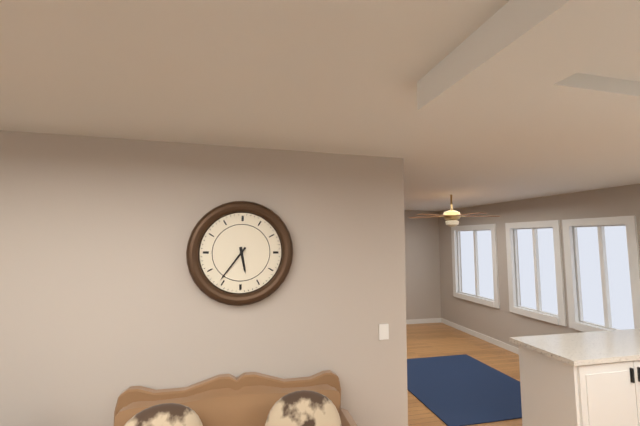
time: 5.36
